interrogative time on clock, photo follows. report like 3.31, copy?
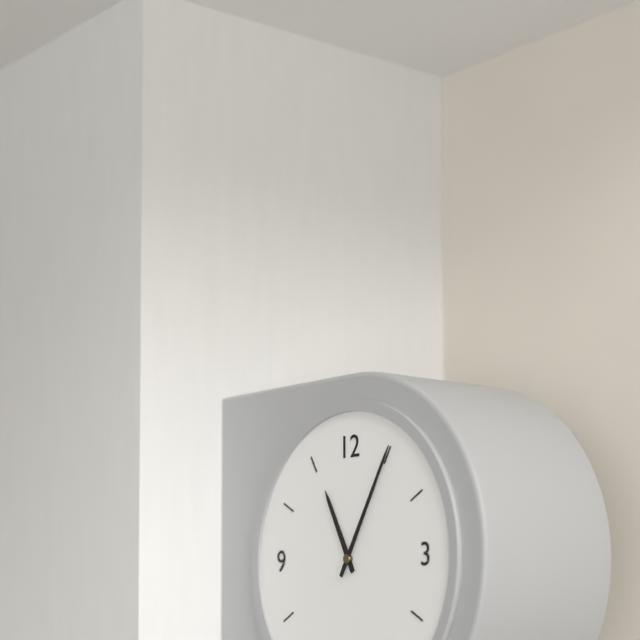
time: 11.05
